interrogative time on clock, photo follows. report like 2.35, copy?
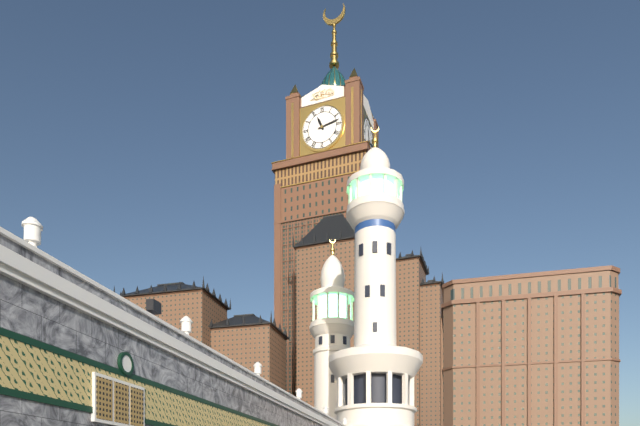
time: 11.13
